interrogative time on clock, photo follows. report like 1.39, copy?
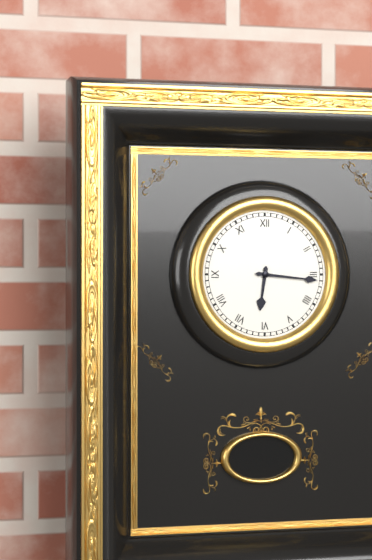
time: 6.16
